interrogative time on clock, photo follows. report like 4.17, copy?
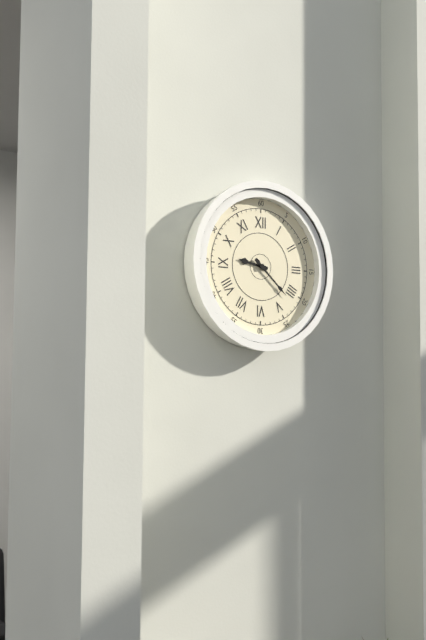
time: 9.22
